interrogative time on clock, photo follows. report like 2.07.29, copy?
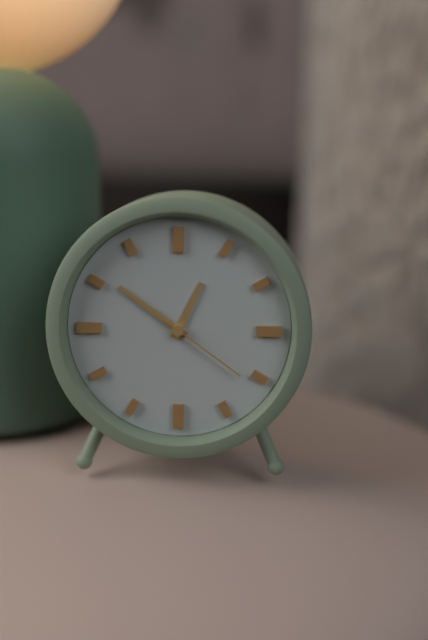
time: 12.51.21
